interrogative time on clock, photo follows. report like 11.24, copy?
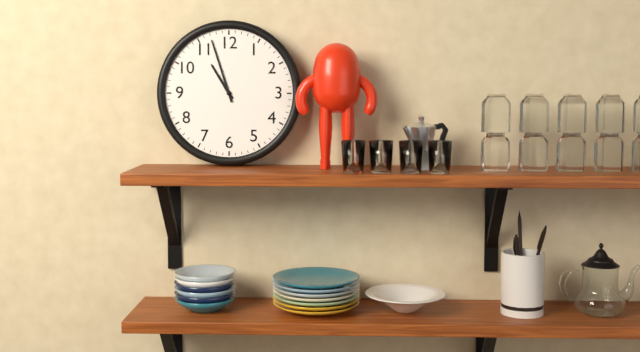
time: 10.57
